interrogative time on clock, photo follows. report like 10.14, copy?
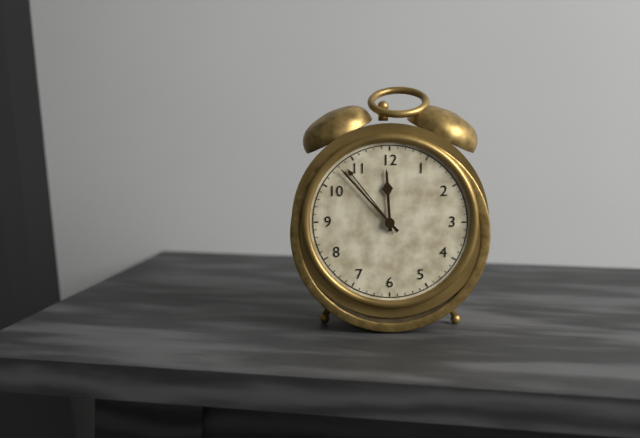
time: 11.53
